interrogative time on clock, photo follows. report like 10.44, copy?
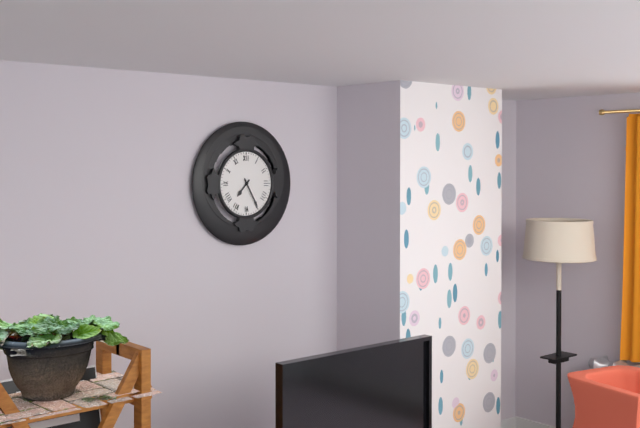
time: 7.25
